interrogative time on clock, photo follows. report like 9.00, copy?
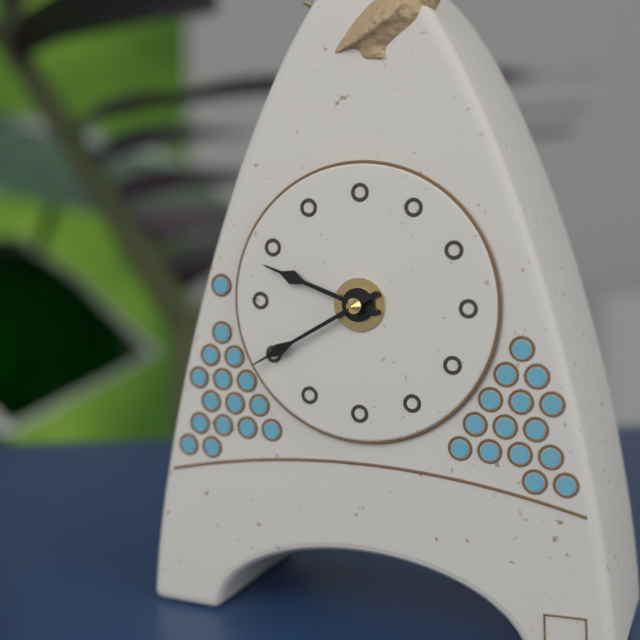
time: 9.40
